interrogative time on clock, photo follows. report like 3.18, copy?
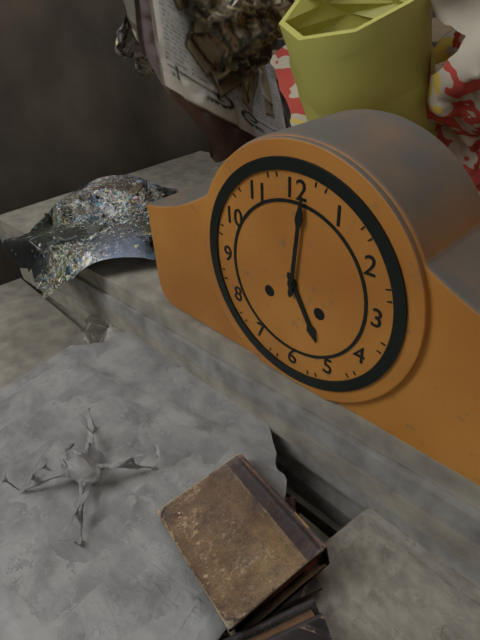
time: 5.01
